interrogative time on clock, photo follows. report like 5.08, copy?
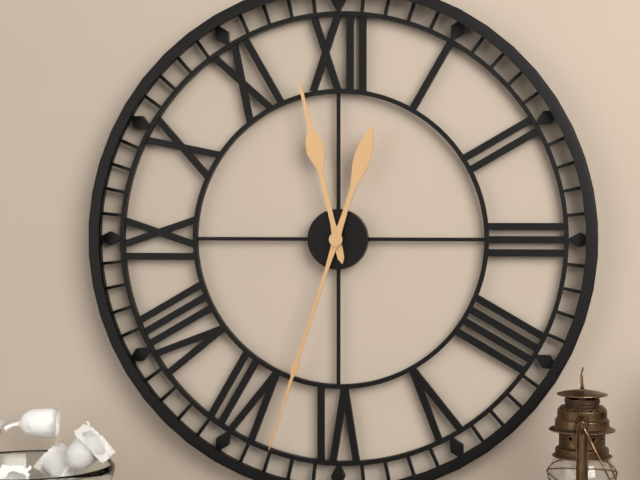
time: 11.33
